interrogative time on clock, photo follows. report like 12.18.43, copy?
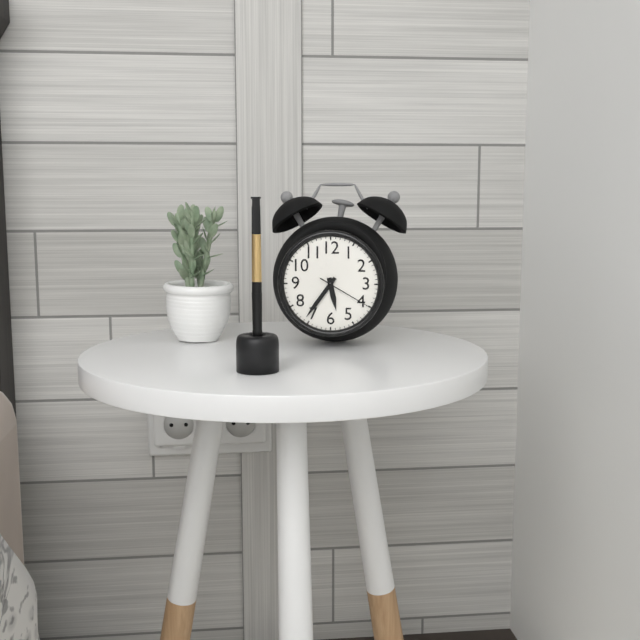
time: 5.36.20
